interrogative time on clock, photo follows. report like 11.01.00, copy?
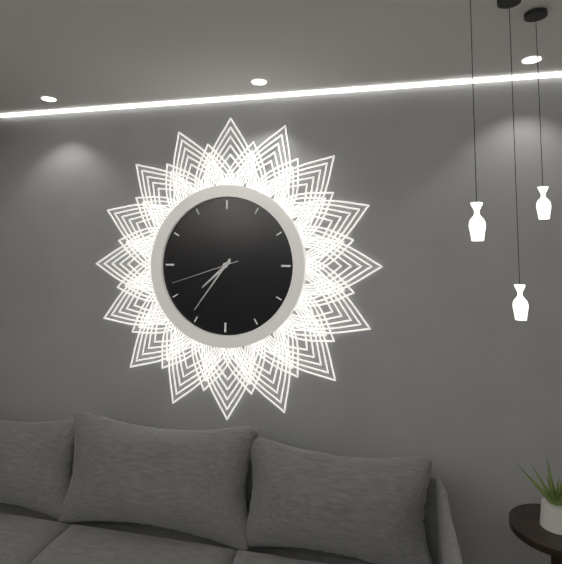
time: 7.36.42
